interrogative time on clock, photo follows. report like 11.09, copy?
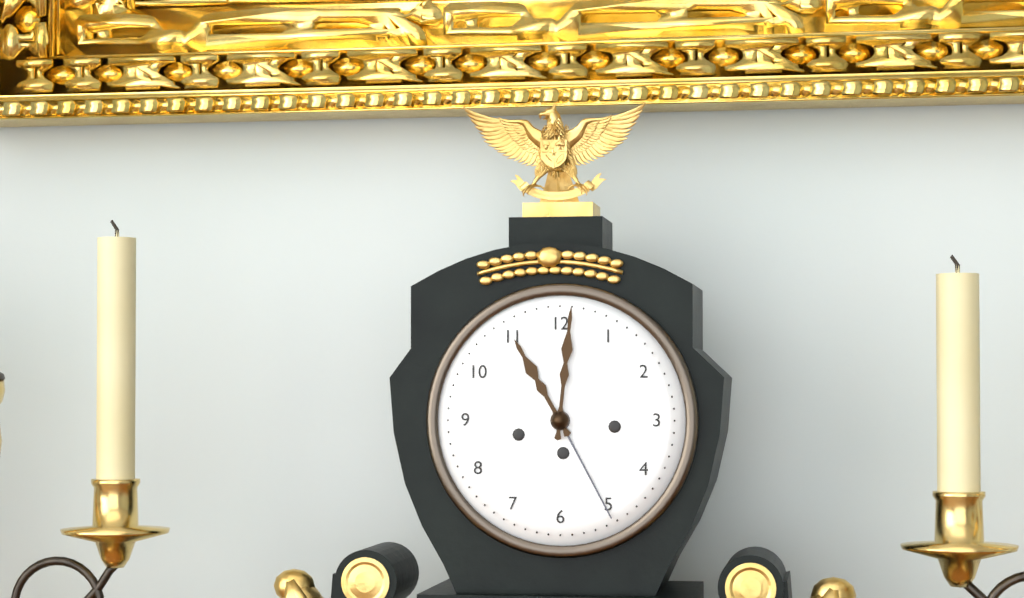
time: 11.01
